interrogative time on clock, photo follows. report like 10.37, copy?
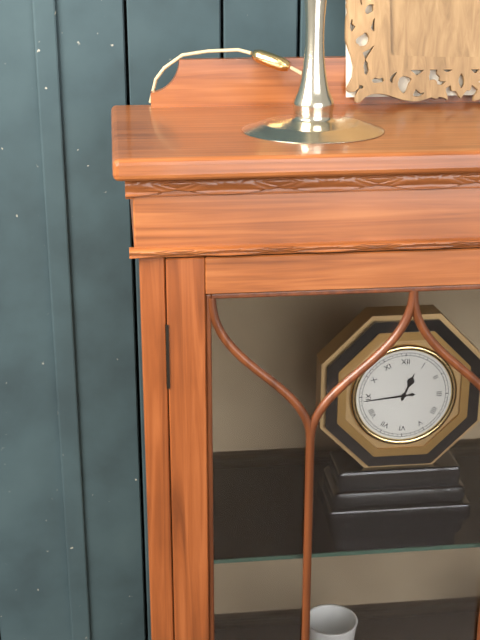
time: 12.44
